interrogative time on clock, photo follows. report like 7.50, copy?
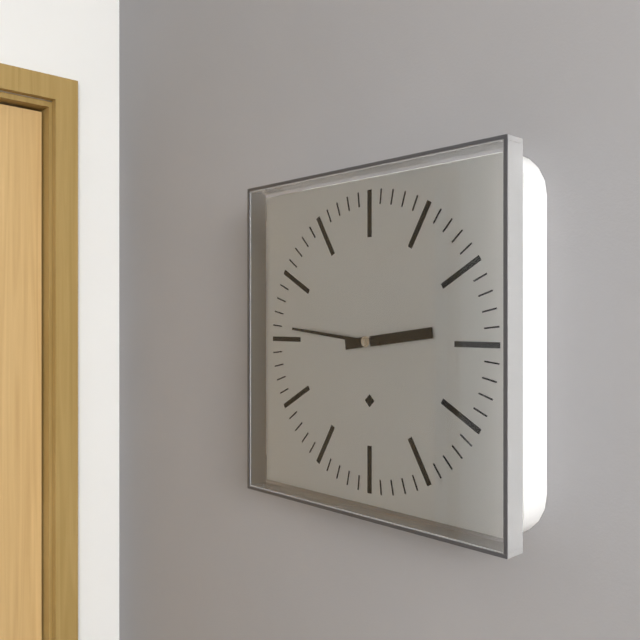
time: 2.46
